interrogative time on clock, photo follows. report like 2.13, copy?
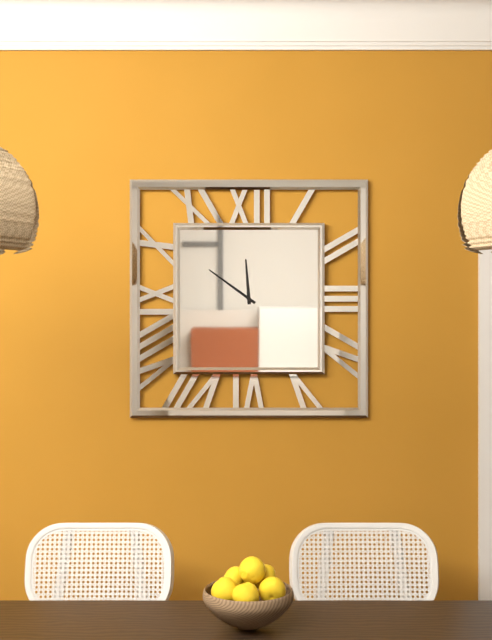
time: 11.51
